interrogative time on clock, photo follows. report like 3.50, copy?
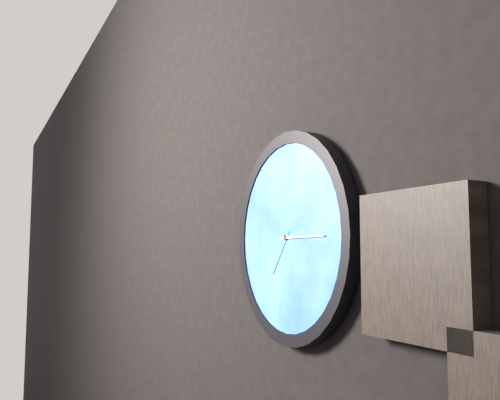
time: 7.15
